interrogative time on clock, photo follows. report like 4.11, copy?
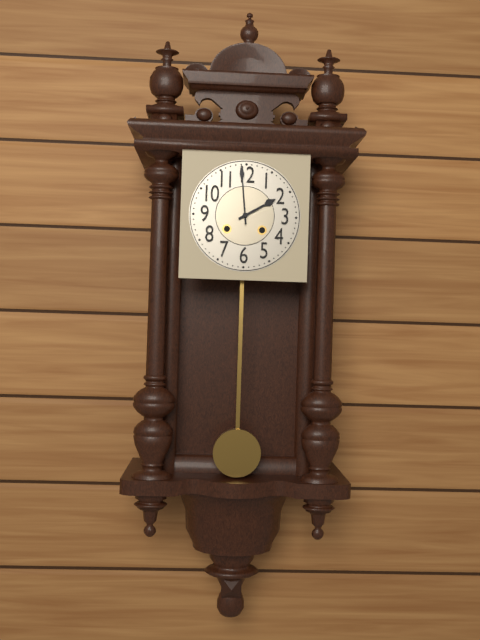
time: 1.59
